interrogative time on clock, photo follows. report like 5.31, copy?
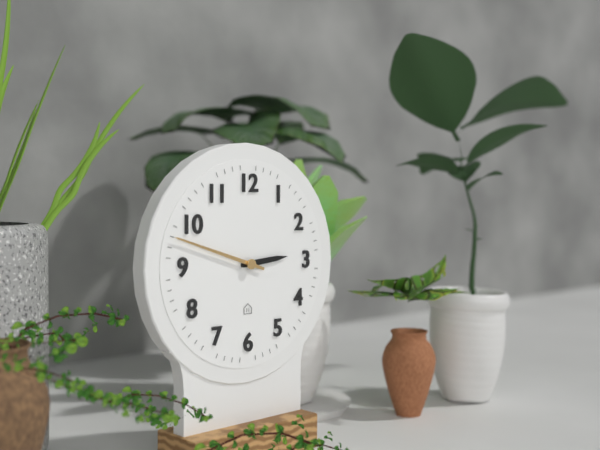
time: 2.48
